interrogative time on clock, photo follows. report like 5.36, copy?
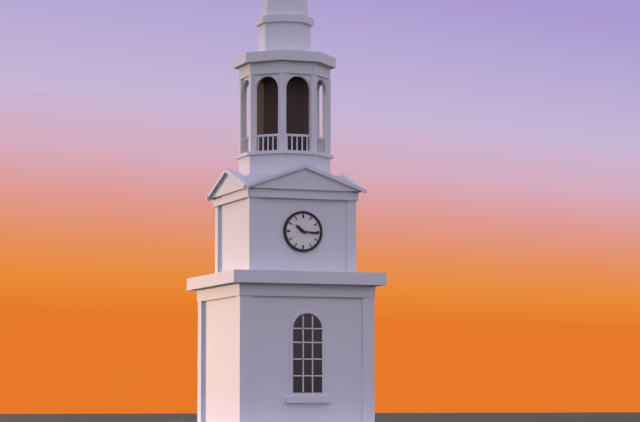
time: 10.16
